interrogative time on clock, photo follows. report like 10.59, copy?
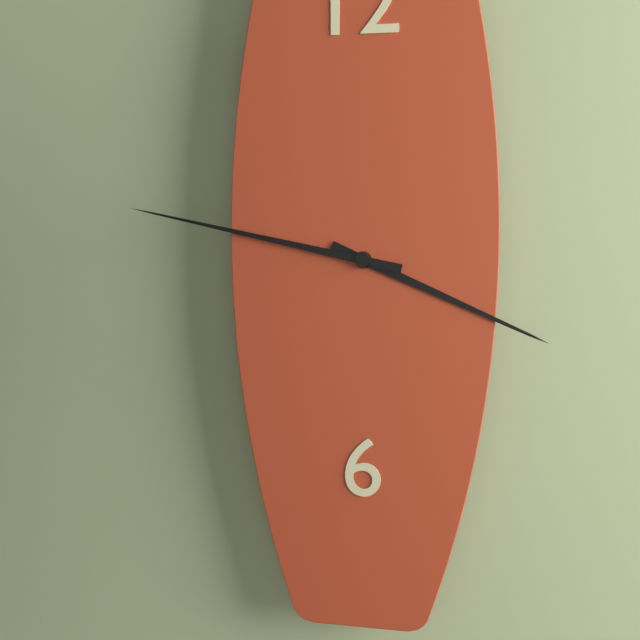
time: 3.47
